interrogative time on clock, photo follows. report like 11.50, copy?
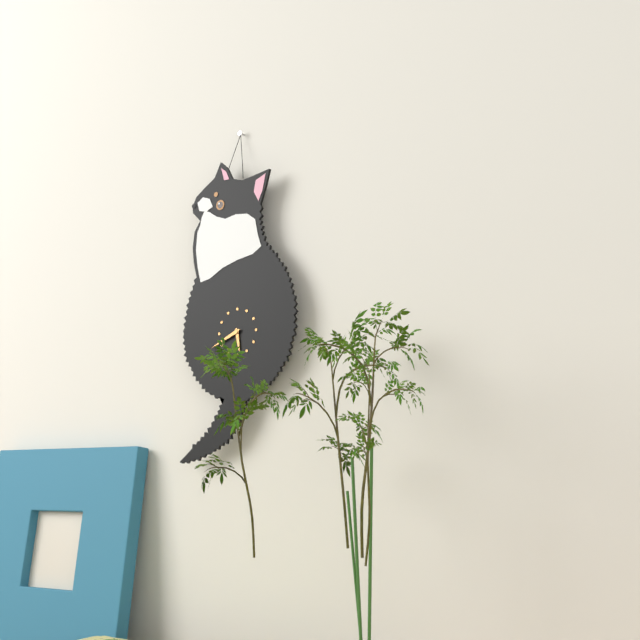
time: 5.41
